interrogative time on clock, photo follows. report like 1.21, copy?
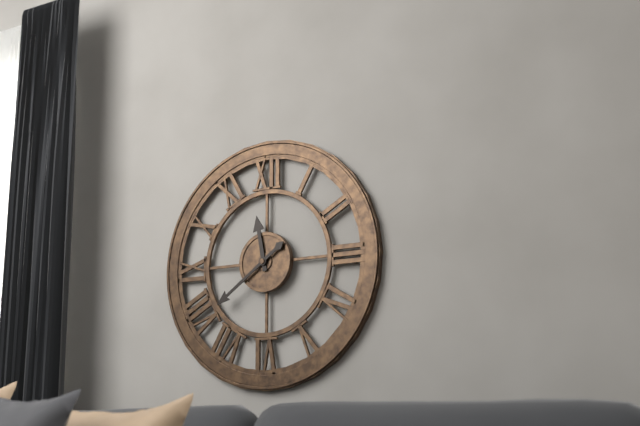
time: 11.39
